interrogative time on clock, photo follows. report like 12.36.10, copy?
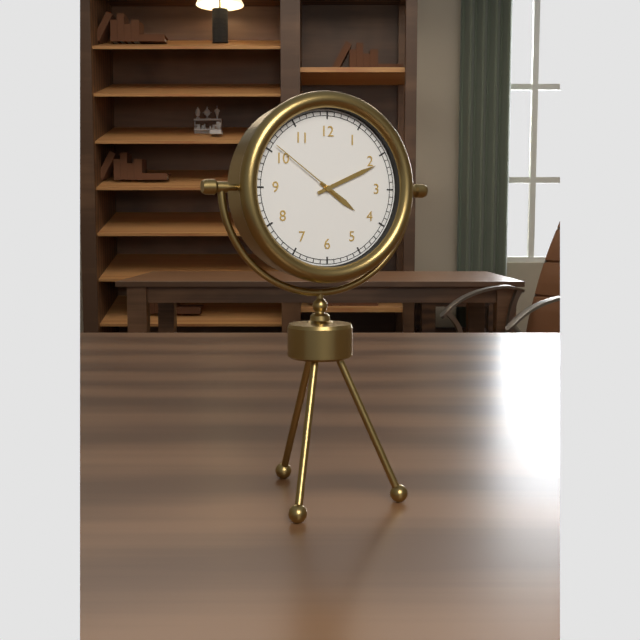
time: 4.11.51
